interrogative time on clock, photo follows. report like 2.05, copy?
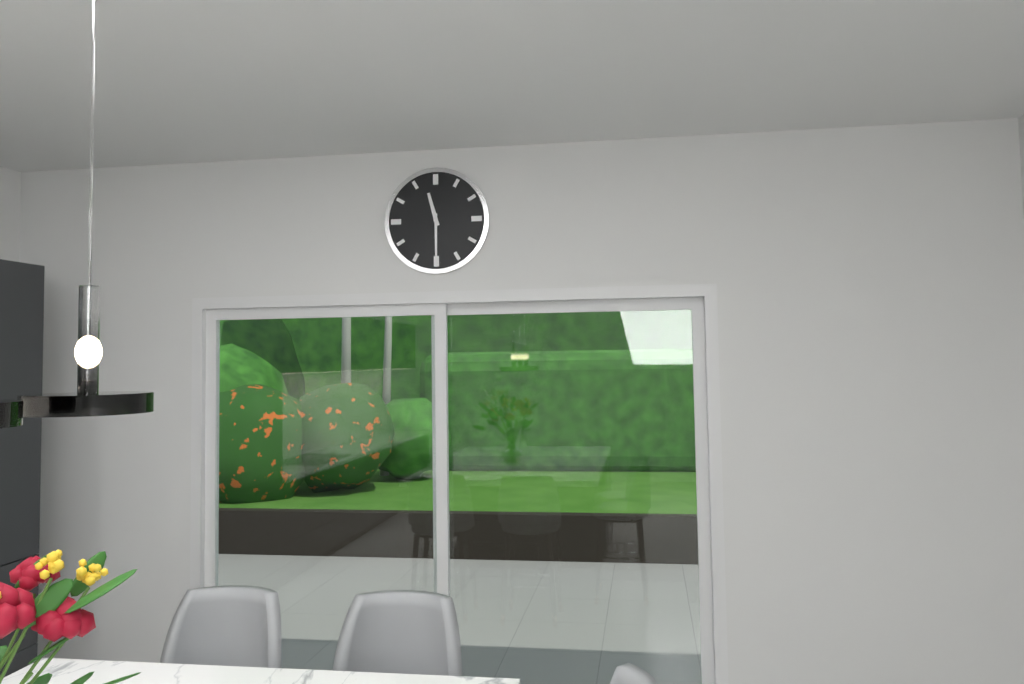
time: 11.30
